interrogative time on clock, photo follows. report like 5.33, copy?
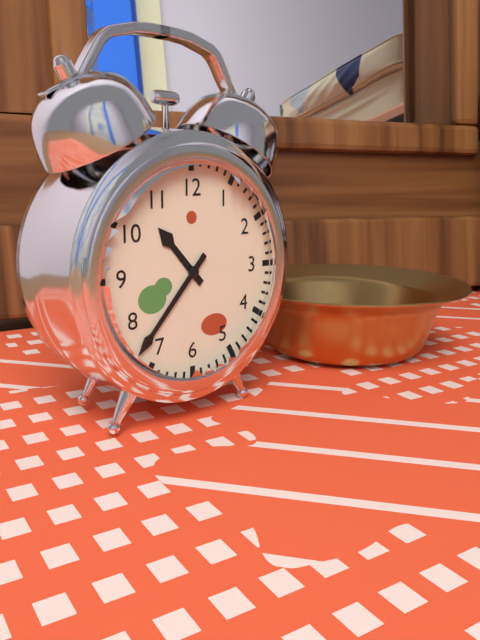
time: 10.37
